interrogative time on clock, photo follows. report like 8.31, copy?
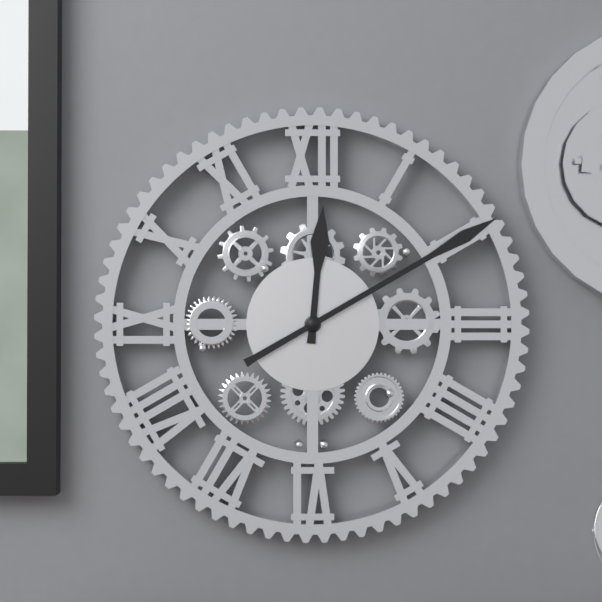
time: 12.10
